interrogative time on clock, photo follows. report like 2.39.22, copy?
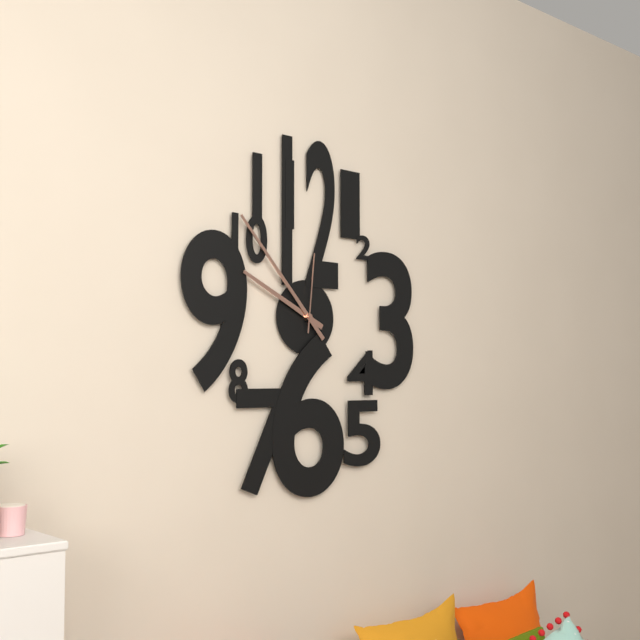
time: 9.53.01
